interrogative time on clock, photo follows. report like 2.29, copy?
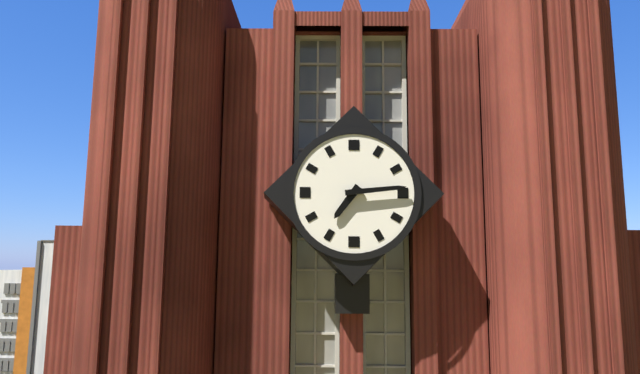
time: 7.14
